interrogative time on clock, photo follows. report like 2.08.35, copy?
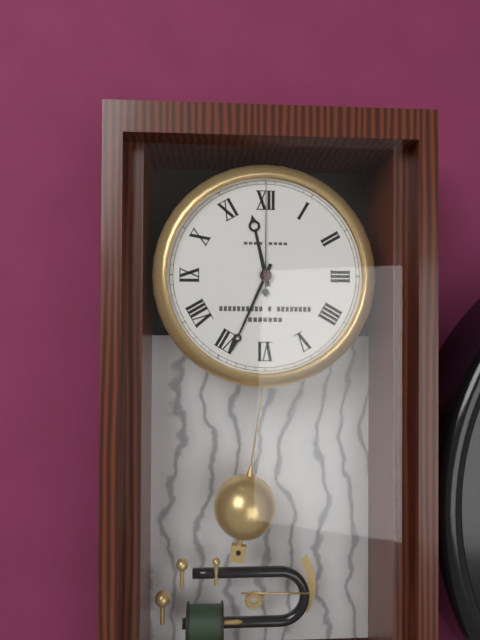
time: 11.34.00
